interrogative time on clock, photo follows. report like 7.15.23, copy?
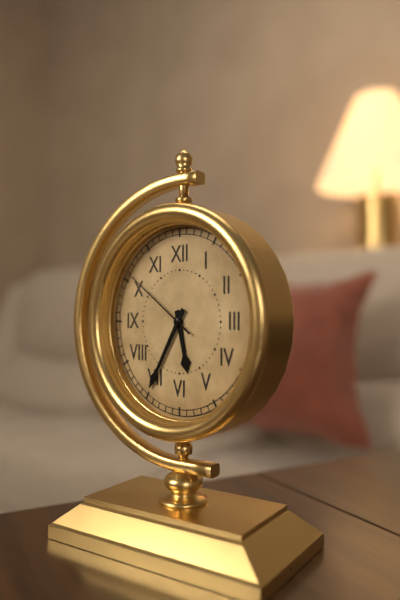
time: 5.35.51
